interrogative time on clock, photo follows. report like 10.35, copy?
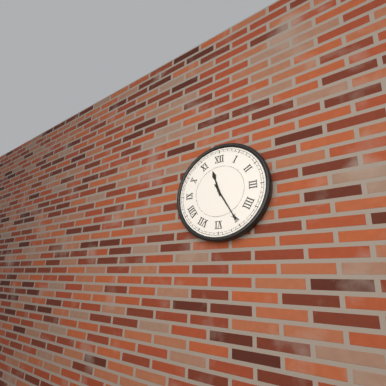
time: 11.25
